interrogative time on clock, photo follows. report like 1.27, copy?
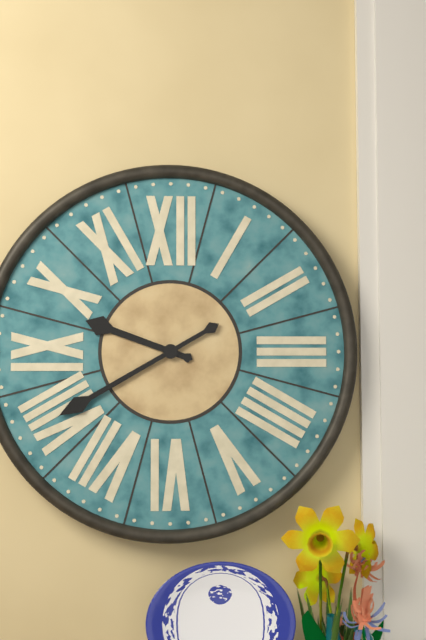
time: 9.40
